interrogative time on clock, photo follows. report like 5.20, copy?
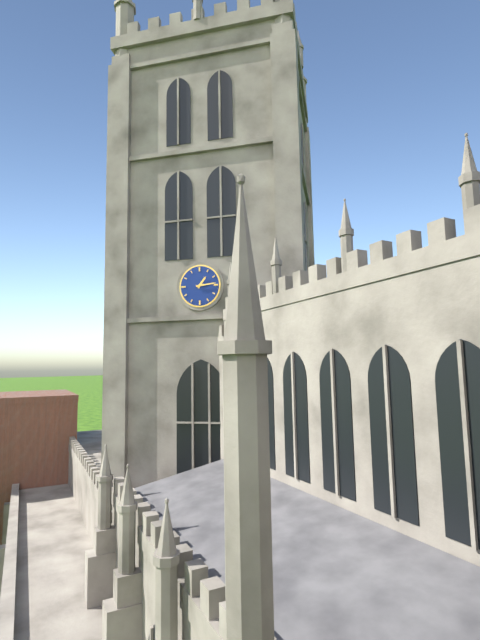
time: 1.14
